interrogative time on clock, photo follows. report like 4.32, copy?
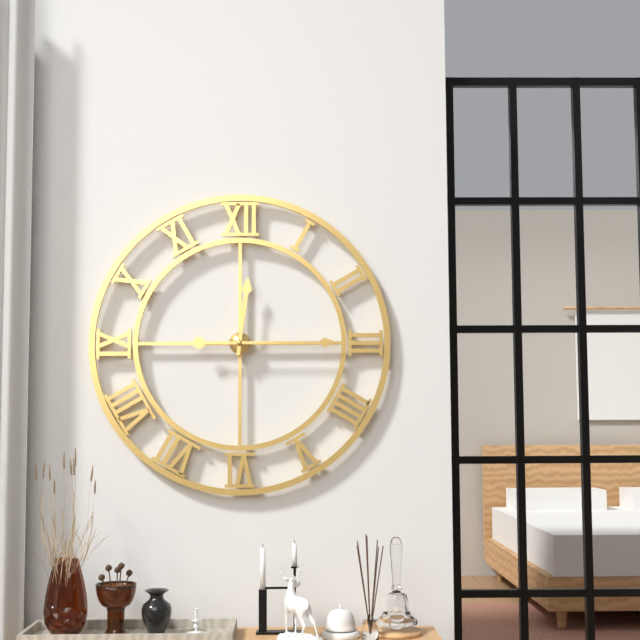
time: 12.15
